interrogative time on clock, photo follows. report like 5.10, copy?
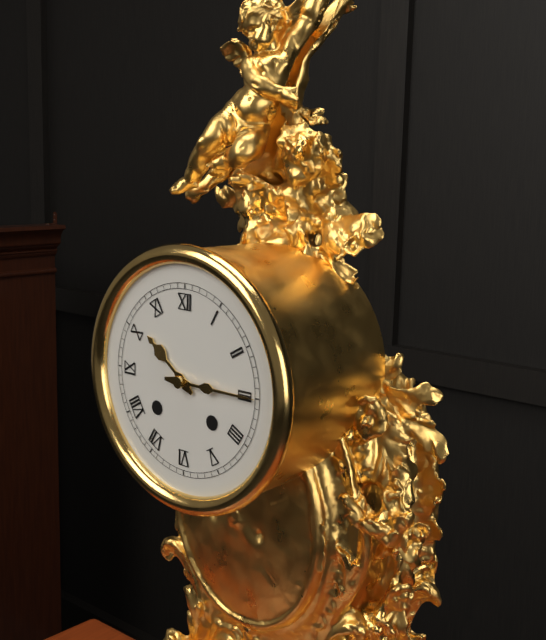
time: 10.15
